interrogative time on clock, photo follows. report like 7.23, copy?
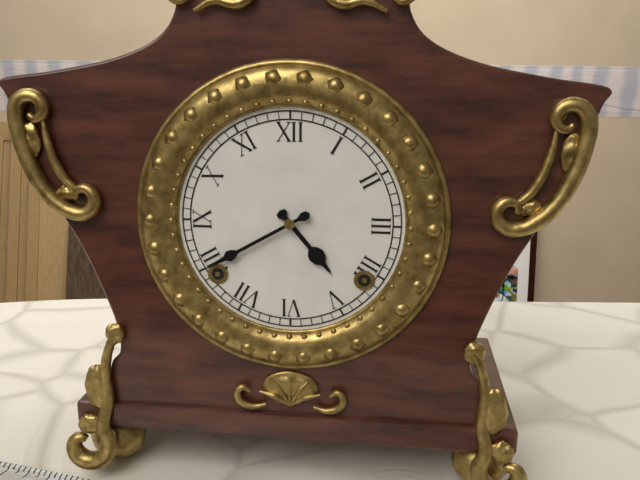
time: 4.40
